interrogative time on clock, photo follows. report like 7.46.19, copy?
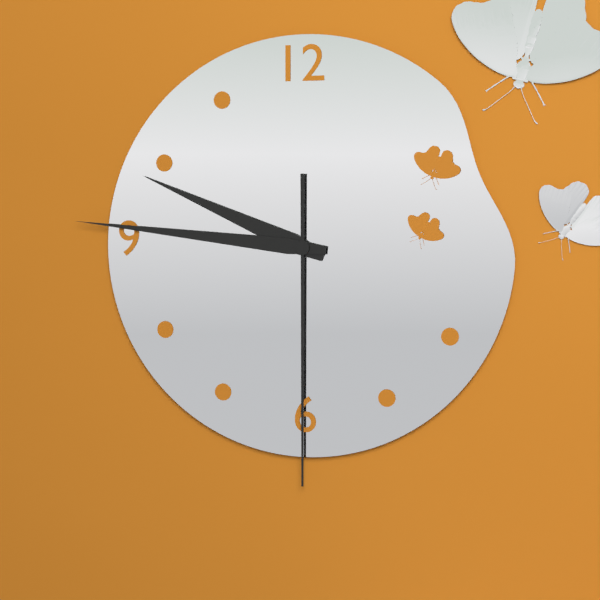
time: 9.46.30
